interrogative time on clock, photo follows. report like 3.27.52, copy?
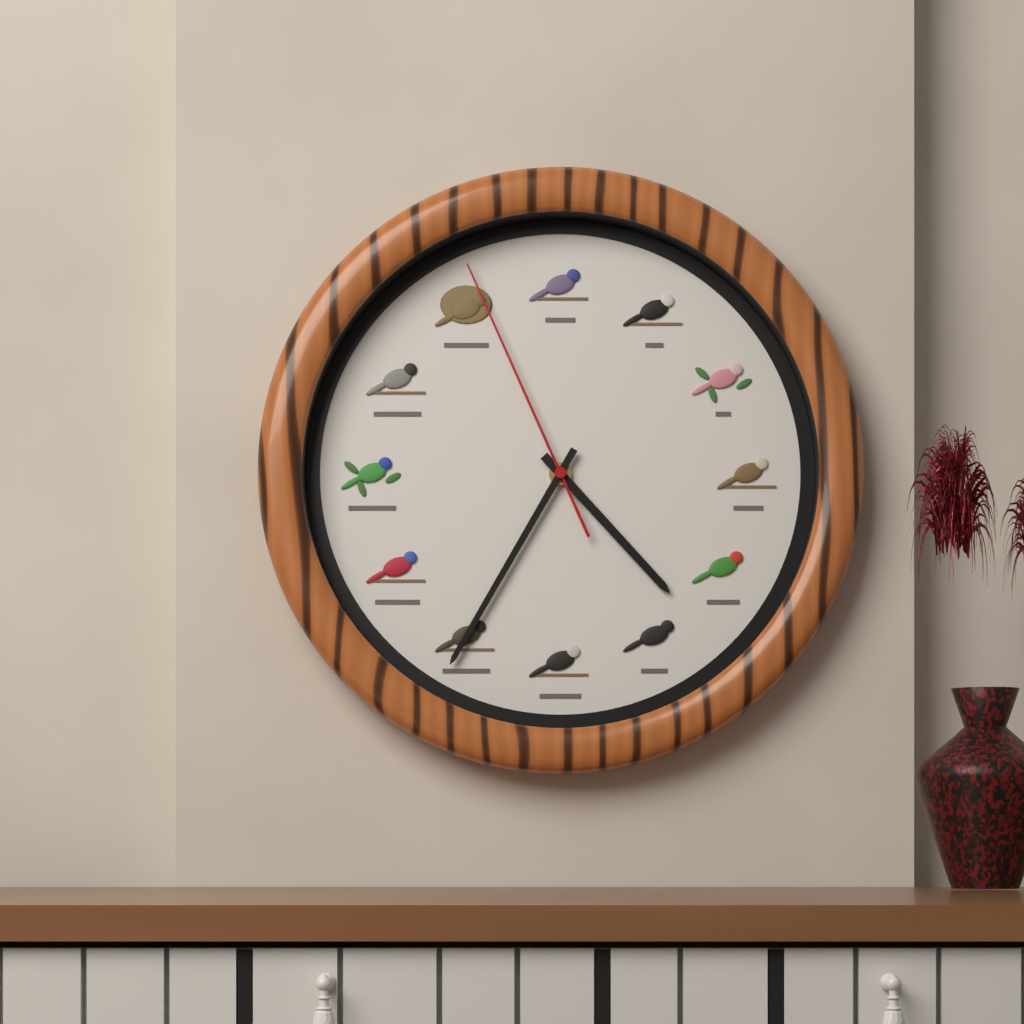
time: 4.35.56
